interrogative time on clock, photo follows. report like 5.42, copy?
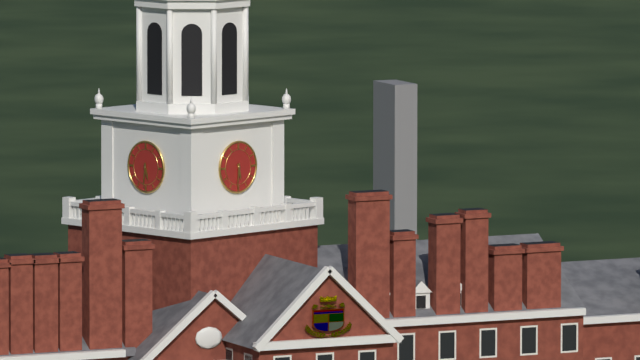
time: 5.31
